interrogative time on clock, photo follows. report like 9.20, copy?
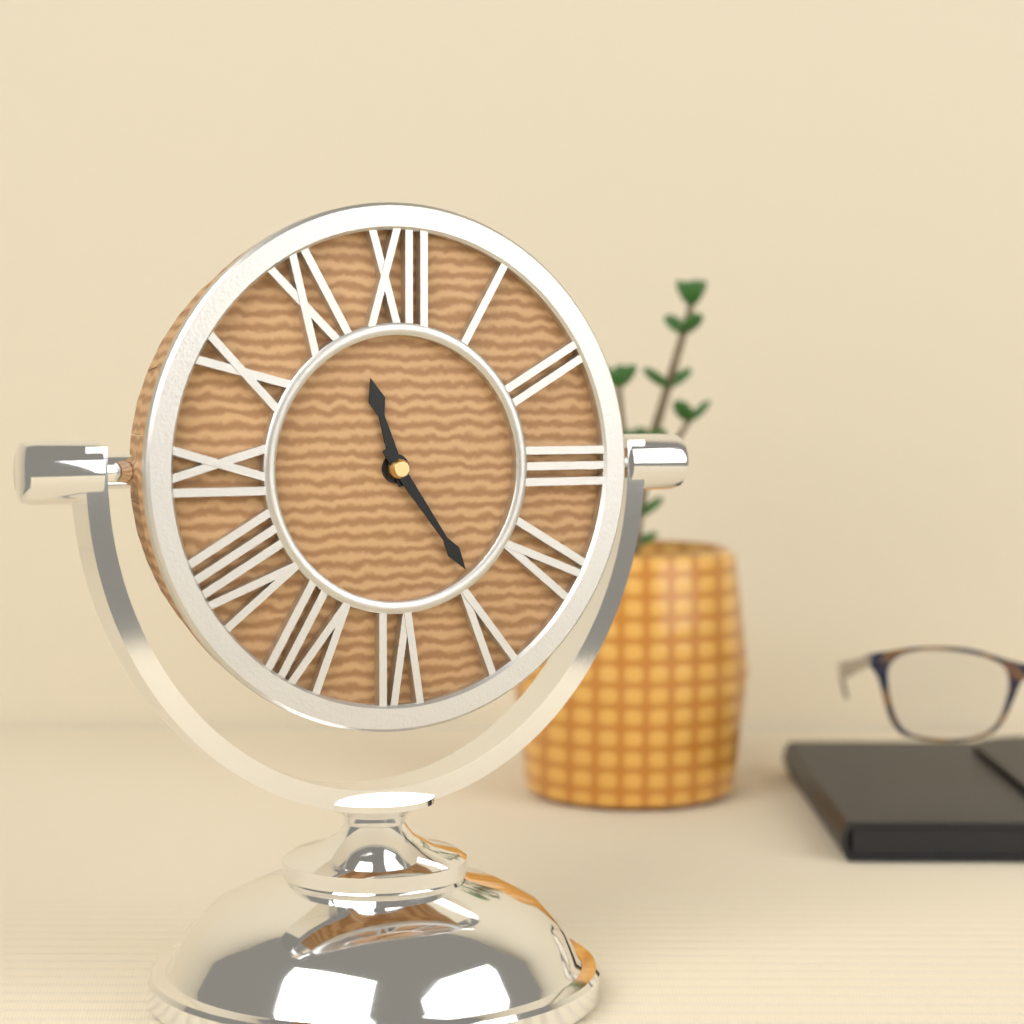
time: 11.24
